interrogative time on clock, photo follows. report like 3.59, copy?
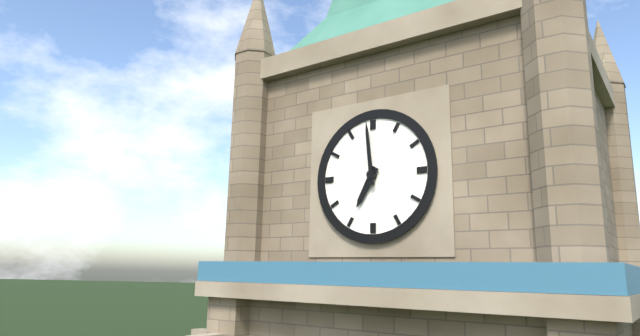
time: 6.59
